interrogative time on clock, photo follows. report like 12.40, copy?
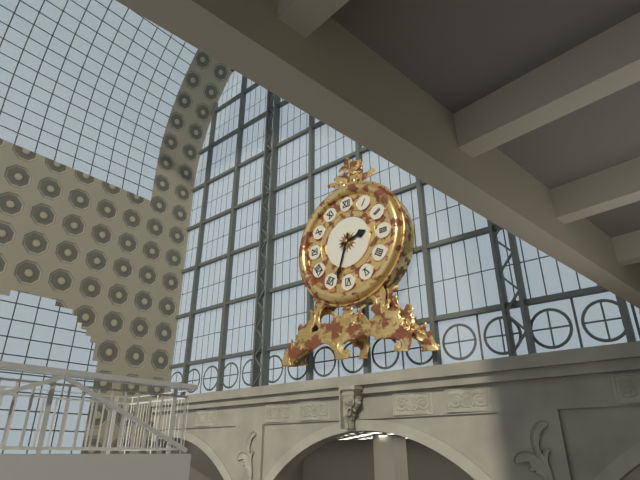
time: 2.33
